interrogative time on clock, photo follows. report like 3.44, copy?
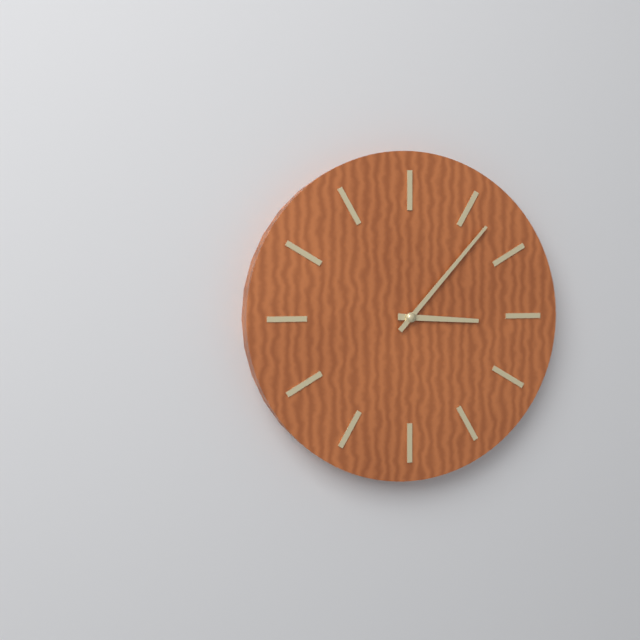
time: 3.07
